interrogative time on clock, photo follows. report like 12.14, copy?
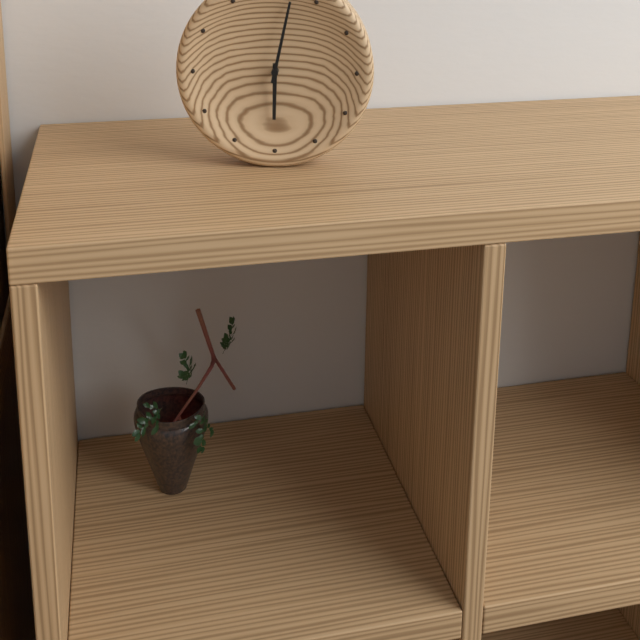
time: 6.02
